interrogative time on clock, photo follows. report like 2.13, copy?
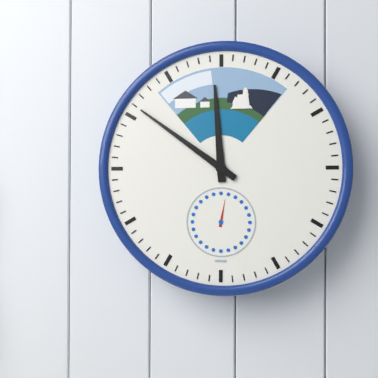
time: 11.51
